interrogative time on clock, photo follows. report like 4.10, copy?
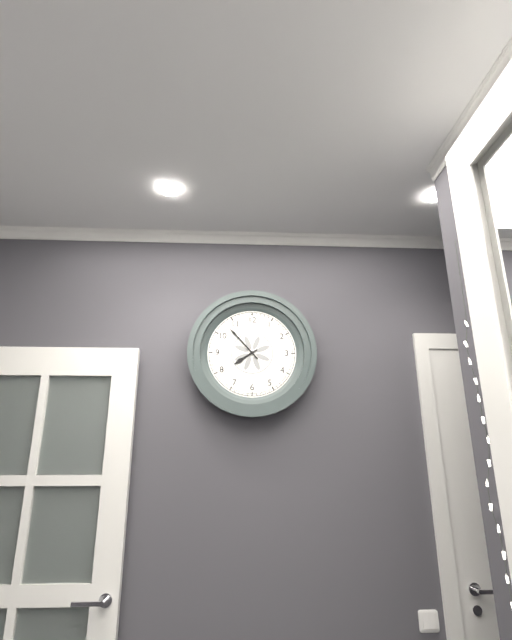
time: 7.53
